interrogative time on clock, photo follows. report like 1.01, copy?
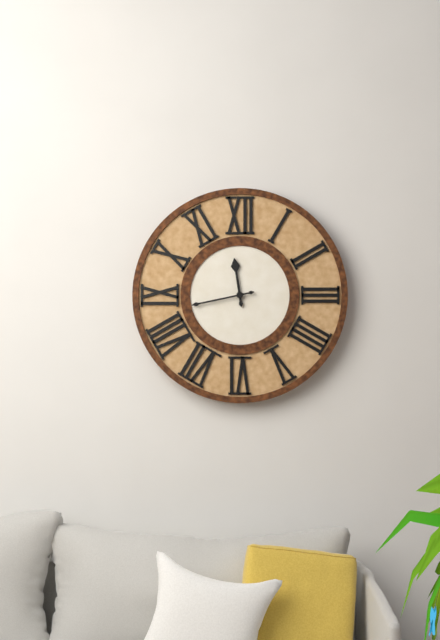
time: 11.43
